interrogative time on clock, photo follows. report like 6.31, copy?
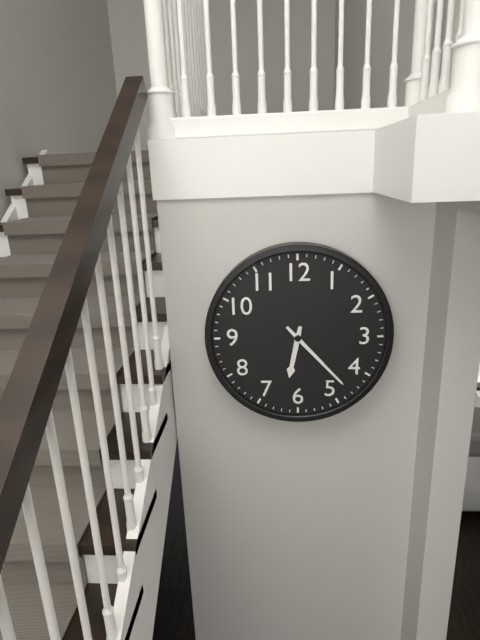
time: 6.23
